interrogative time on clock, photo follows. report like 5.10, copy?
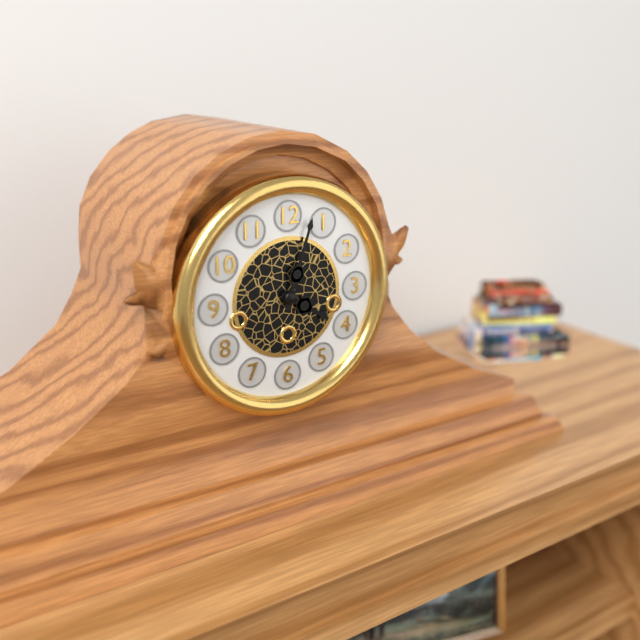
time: 4.03
